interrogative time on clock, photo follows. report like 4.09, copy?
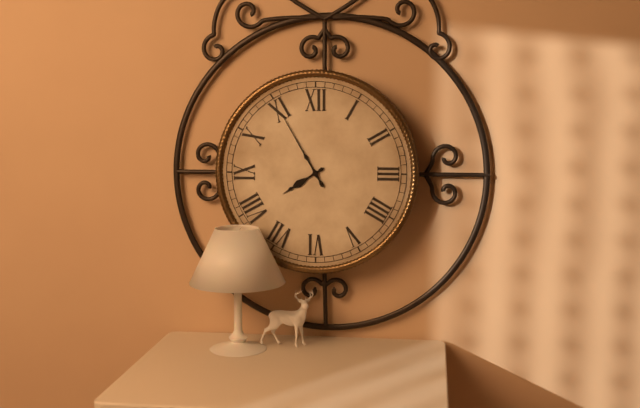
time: 7.55
